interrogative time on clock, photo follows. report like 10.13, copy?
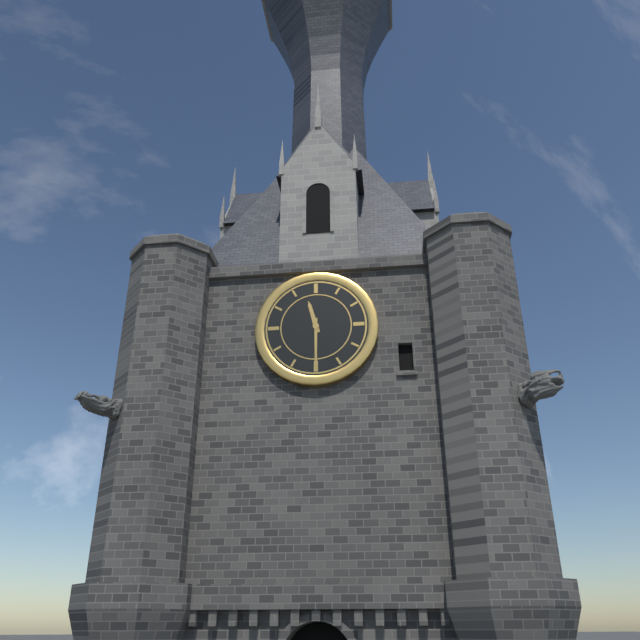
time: 11.30
